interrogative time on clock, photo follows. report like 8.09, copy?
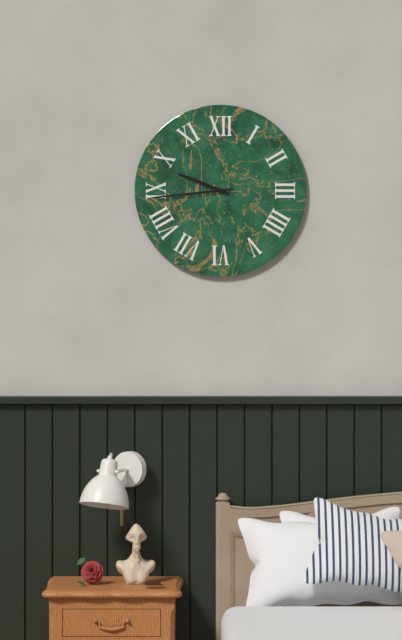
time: 9.44
